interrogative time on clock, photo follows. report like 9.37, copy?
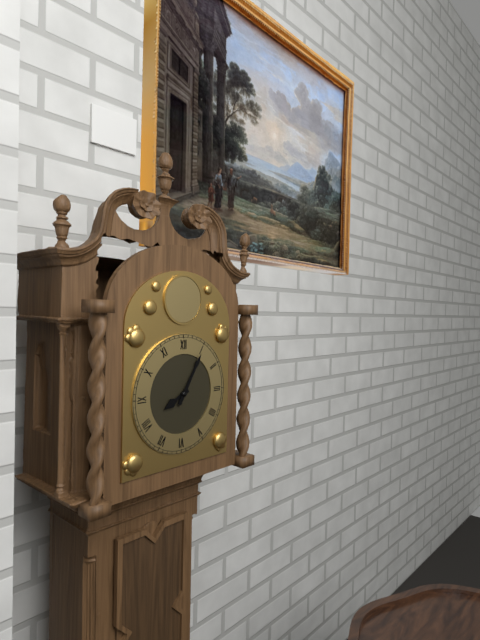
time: 8.05
